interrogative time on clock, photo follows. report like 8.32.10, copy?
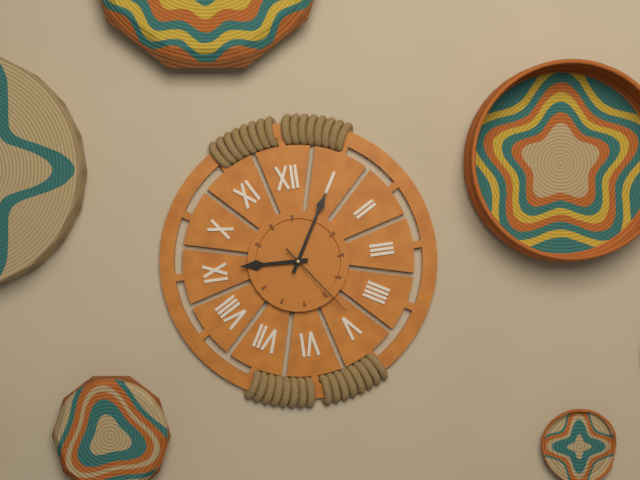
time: 9.05.24
